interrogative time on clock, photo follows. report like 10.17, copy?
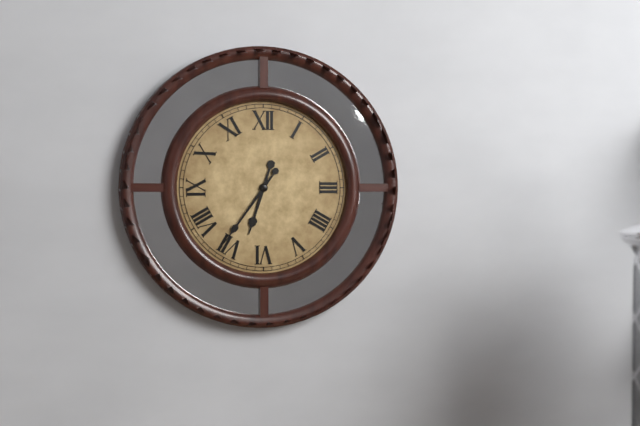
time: 6.36
